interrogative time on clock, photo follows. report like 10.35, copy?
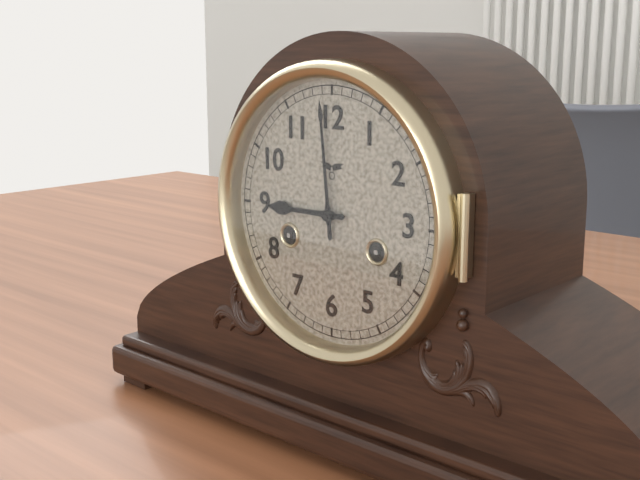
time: 8.59
